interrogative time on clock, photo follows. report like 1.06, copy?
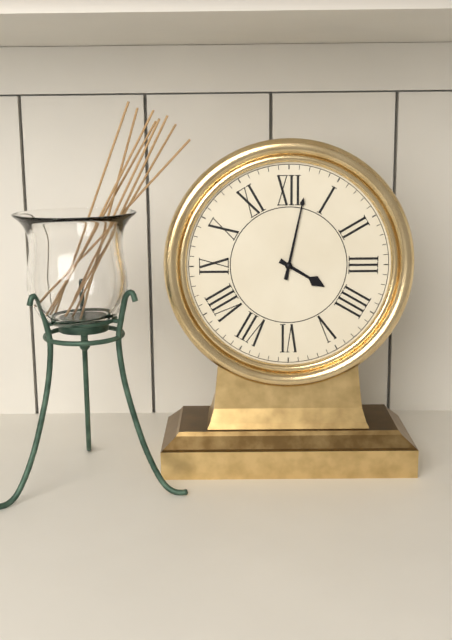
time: 4.02
